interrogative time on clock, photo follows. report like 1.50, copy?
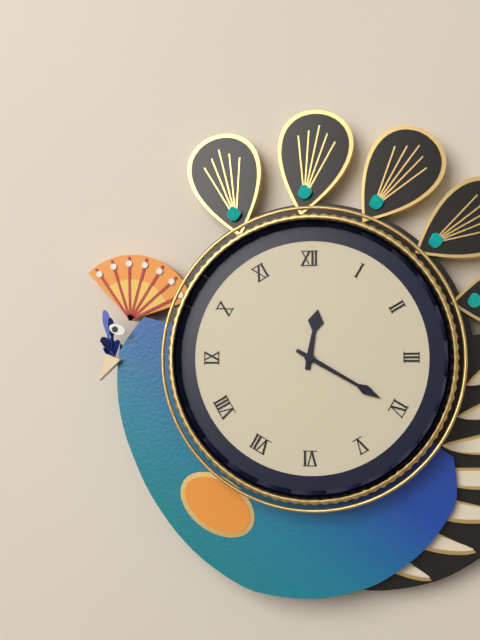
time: 12.20
